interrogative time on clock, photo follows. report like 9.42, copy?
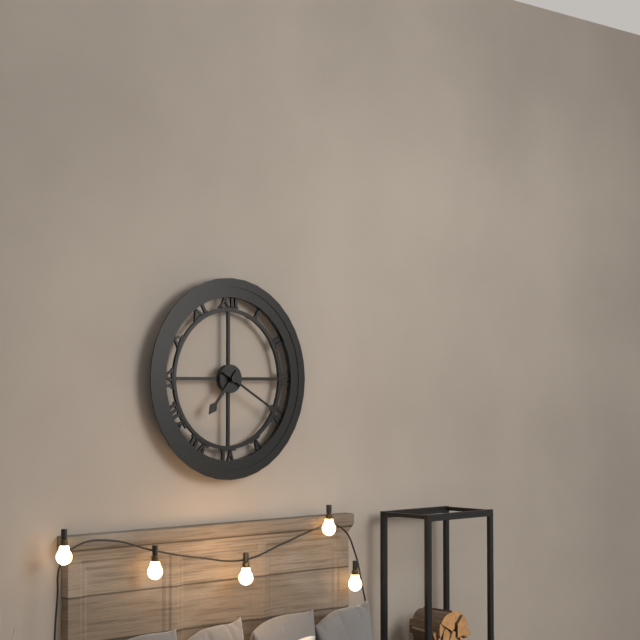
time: 7.20
